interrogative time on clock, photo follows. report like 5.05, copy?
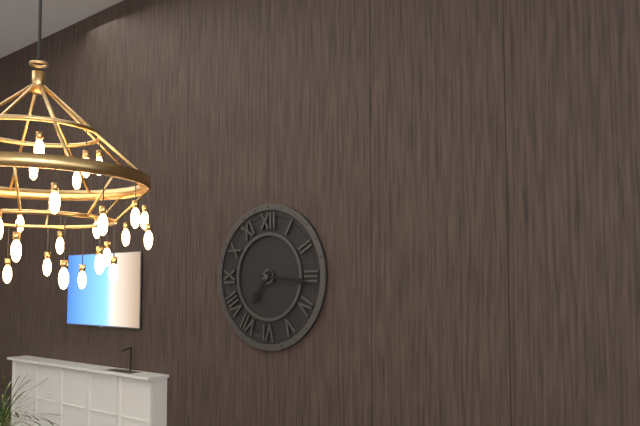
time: 7.16
